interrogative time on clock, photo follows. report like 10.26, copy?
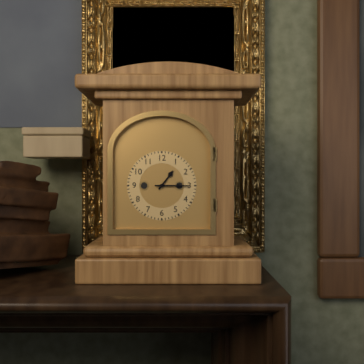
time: 1.15
